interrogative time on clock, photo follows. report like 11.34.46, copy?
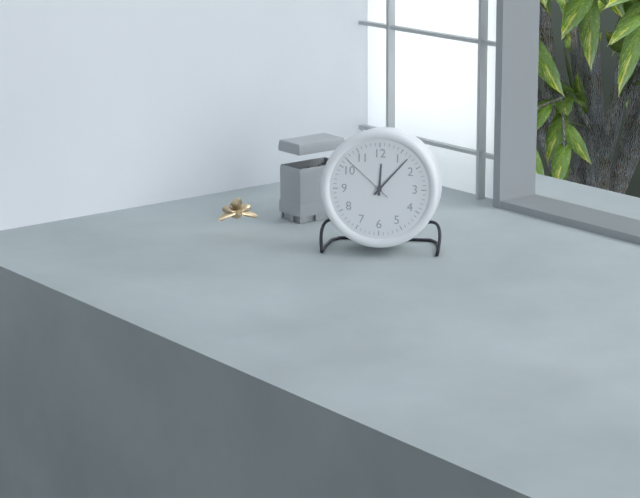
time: 12.07.52
